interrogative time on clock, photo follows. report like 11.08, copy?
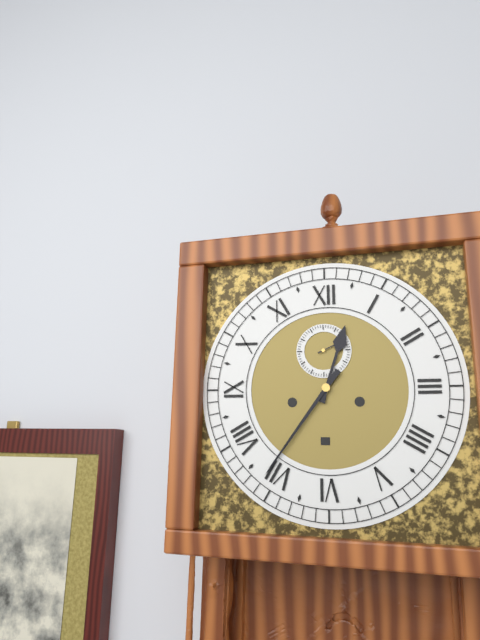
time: 12.36
